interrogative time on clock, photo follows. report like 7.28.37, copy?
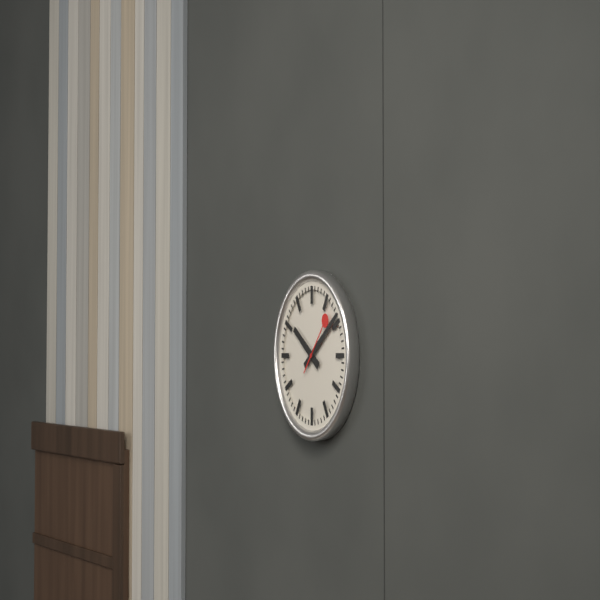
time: 10.09.07
